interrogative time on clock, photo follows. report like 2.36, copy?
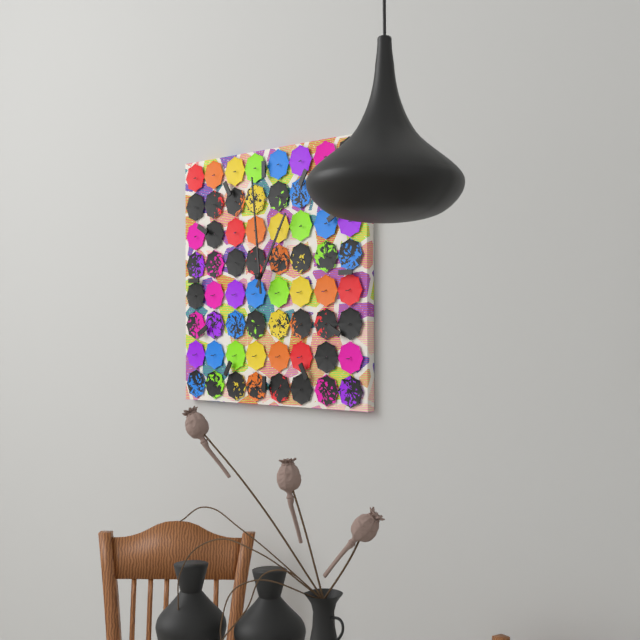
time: 12.59
